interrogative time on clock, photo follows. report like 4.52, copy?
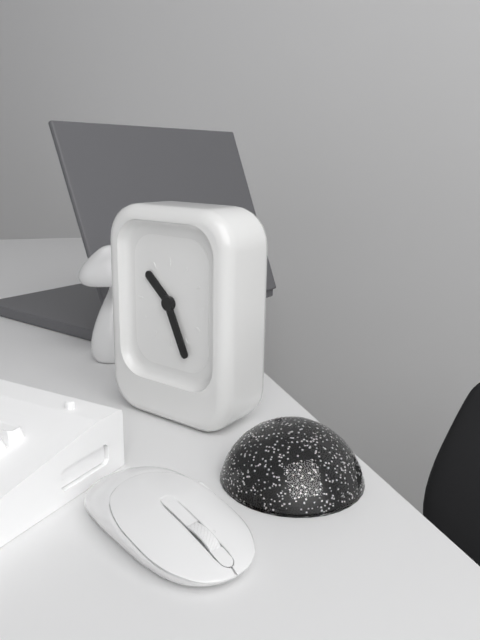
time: 10.26
